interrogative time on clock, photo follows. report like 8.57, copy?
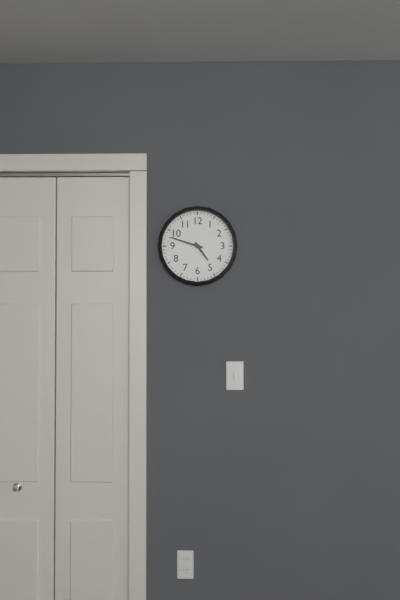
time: 4.48
